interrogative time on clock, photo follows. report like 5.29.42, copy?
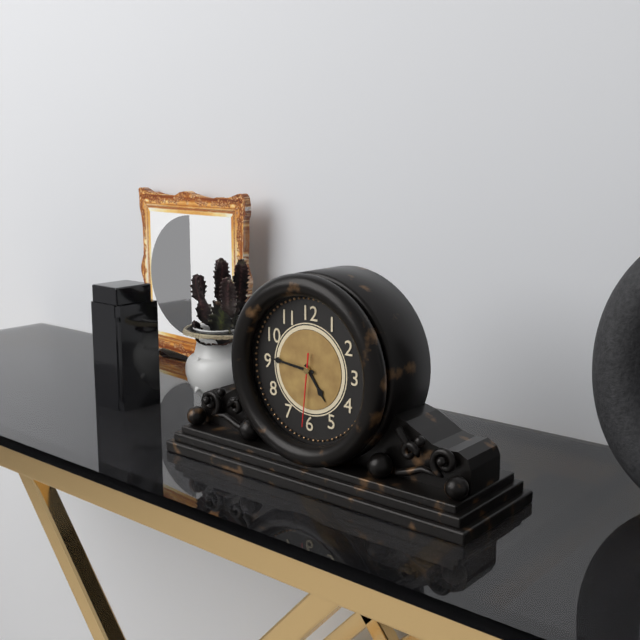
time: 4.46.31
